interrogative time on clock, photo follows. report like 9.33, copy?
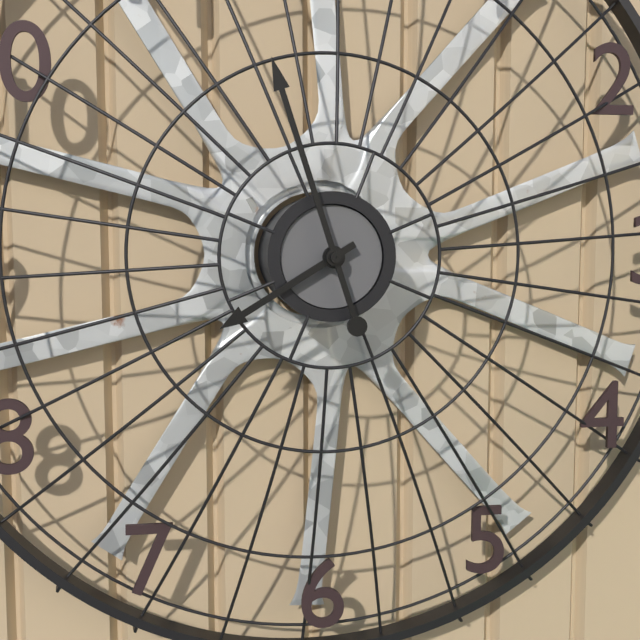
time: 7.57
